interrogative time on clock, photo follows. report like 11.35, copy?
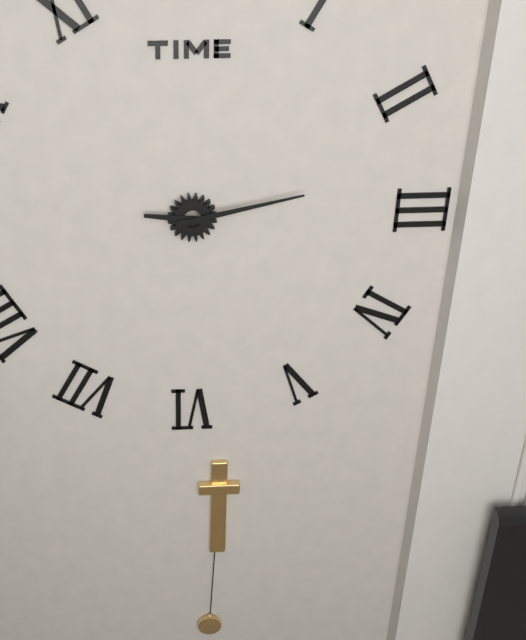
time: 9.13
